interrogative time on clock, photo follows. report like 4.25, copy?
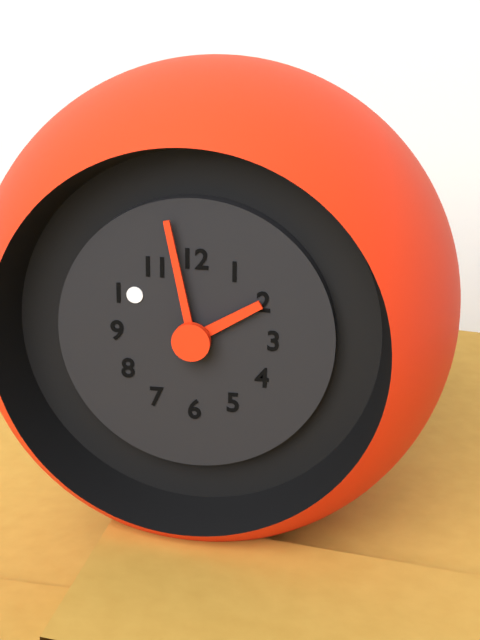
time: 1.58
